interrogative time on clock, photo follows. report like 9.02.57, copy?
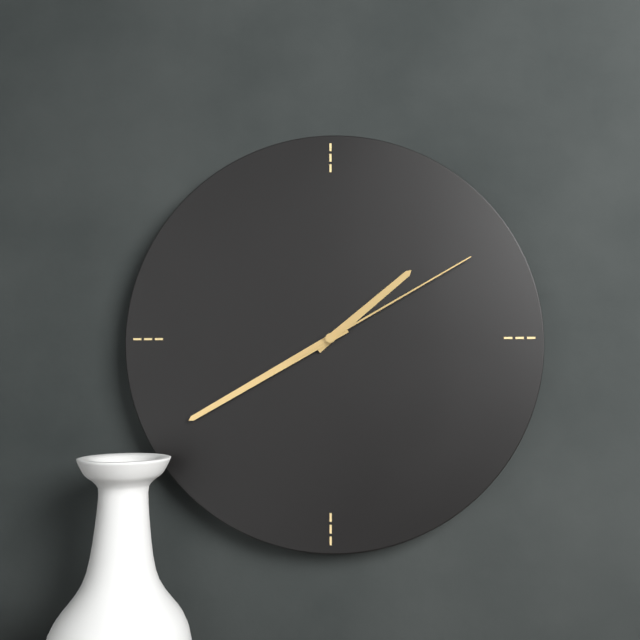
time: 1.40.10
